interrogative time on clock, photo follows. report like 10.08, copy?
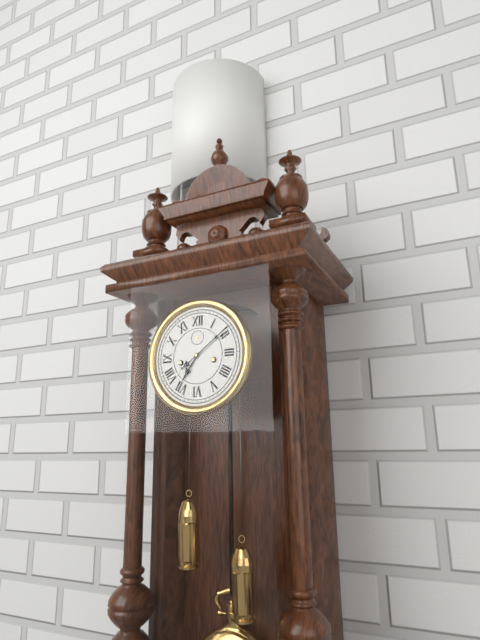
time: 7.09
